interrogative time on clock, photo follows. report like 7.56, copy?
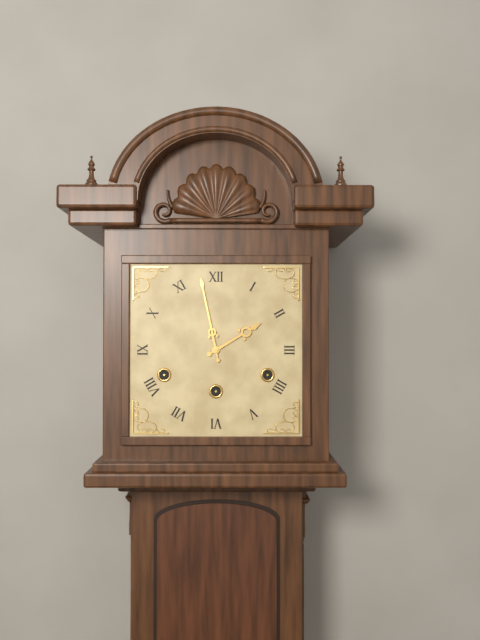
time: 1.58
